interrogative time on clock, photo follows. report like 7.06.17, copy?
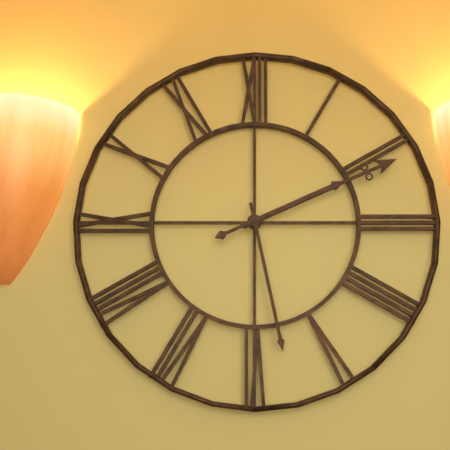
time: 2.11.28
